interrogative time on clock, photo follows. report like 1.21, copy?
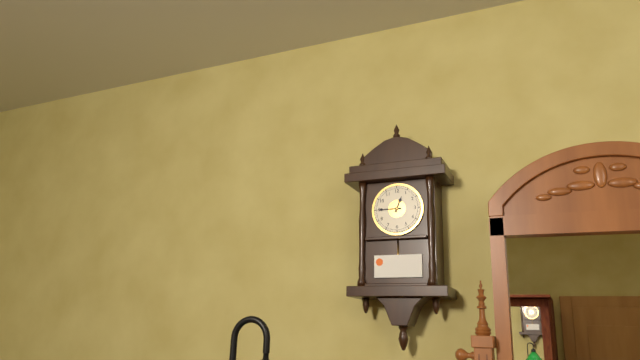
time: 12.45
